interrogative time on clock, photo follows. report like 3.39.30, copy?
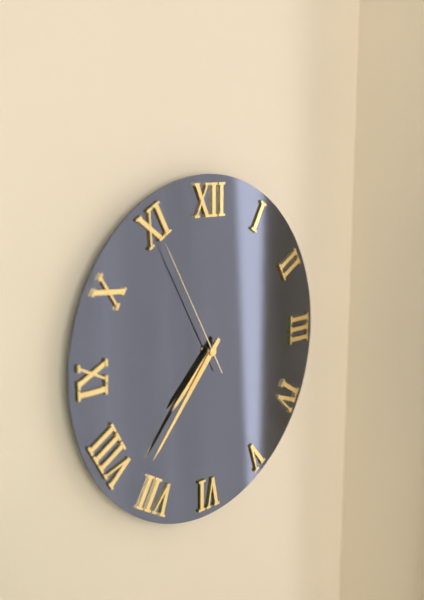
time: 7.37.55
